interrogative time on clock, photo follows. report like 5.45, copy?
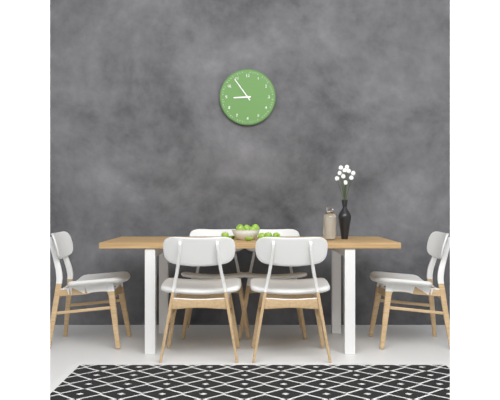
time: 8.54
